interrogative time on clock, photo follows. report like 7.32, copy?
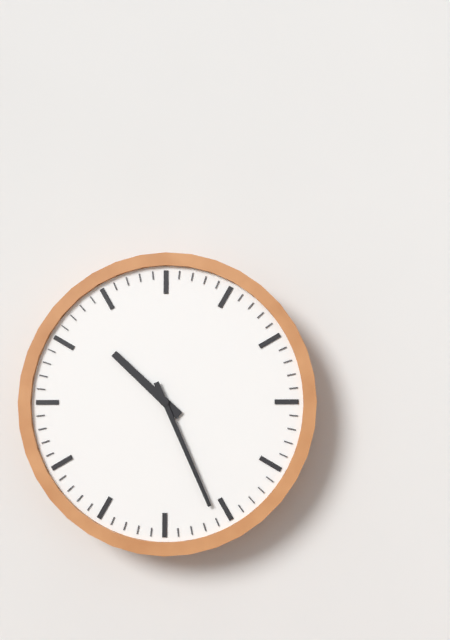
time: 10.26
